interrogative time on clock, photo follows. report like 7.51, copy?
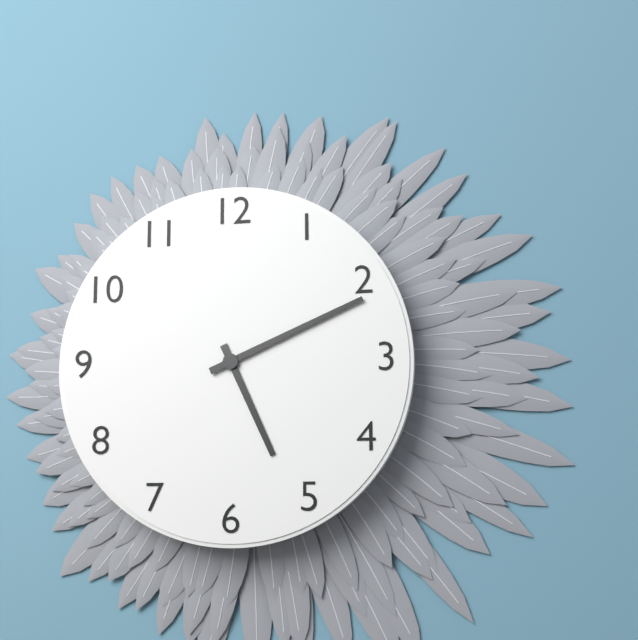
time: 5.11
